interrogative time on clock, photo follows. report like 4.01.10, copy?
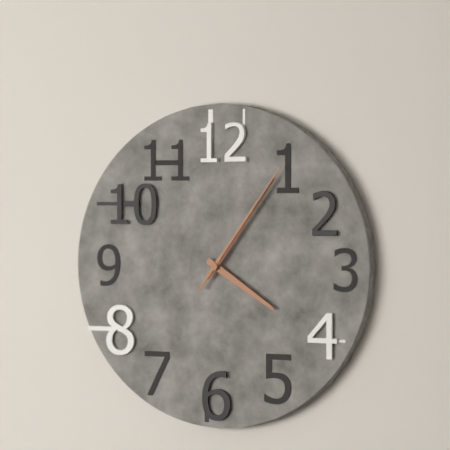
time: 4.06.06
